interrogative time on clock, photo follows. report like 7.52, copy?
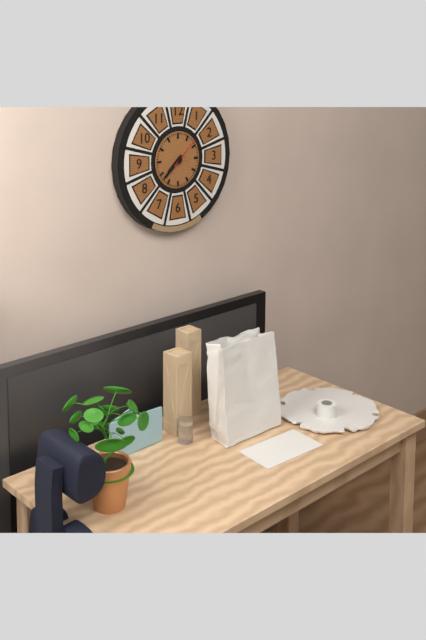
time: 7.38
